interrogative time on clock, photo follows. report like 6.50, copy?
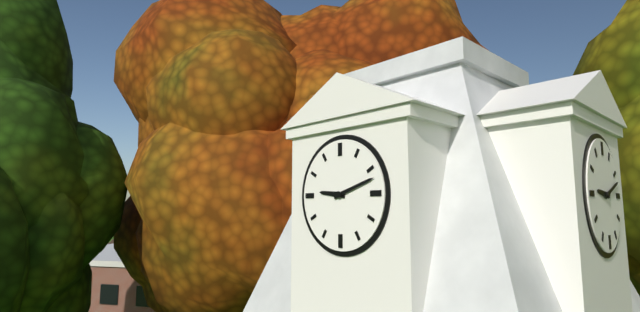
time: 9.12
